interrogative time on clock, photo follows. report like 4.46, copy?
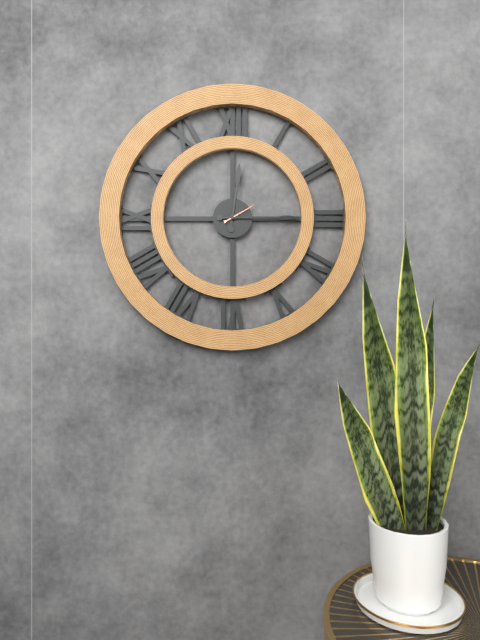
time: 12.15
